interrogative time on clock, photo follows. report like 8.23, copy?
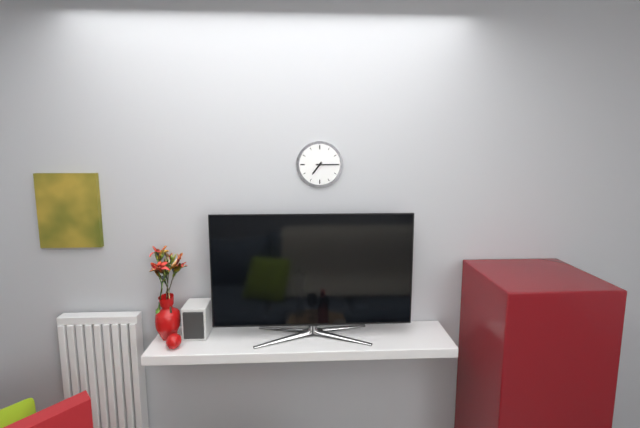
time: 7.15
